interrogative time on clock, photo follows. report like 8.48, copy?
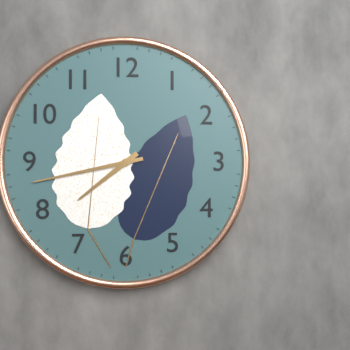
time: 7.43
